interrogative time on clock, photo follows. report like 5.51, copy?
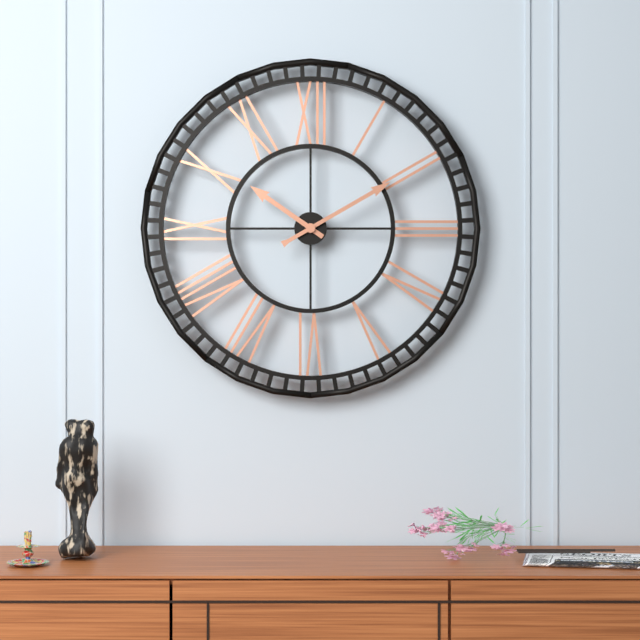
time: 10.10
